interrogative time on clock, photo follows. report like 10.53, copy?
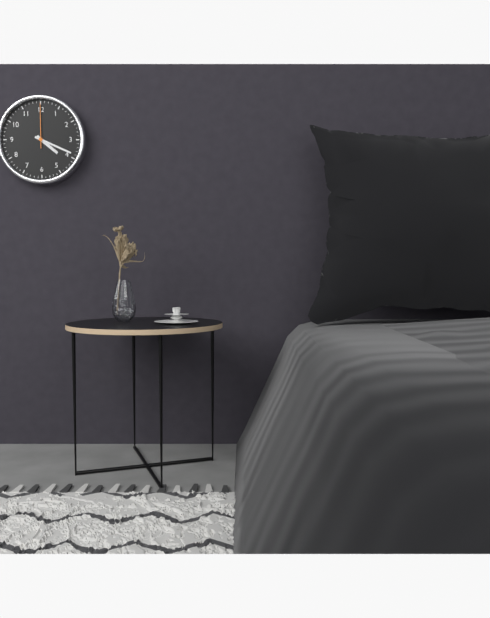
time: 4.19
